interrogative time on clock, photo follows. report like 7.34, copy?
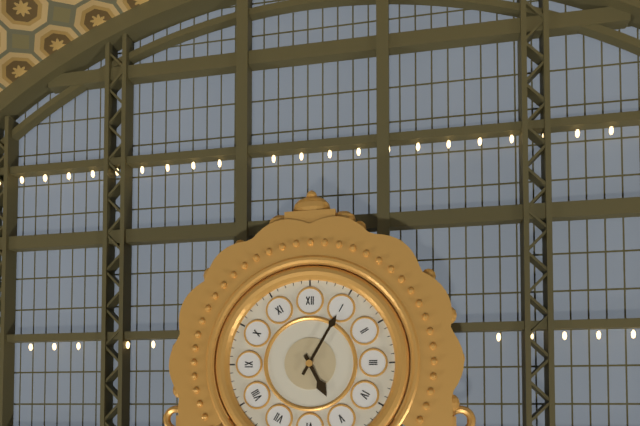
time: 5.05
